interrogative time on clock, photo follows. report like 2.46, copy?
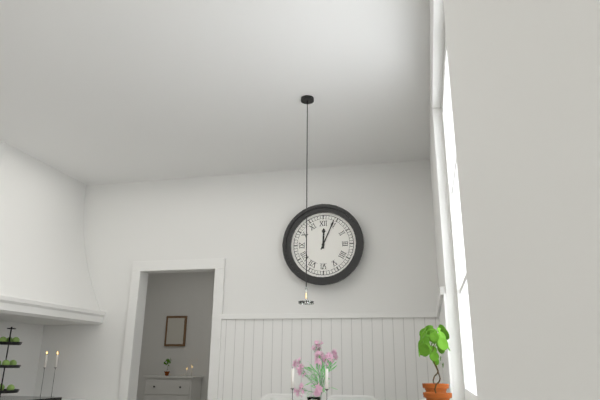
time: 12.04
